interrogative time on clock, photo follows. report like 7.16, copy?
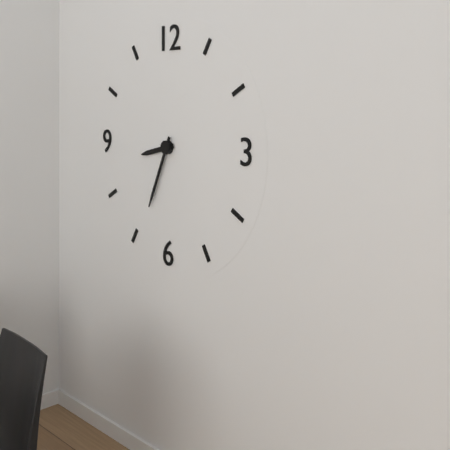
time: 8.34
